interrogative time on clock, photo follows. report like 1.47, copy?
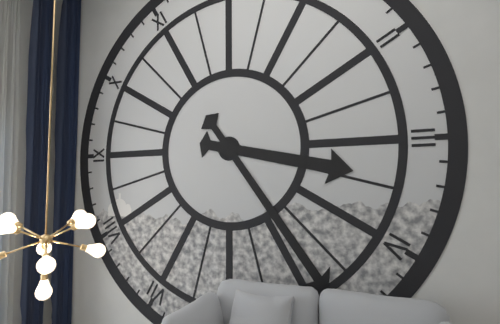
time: 3.24
